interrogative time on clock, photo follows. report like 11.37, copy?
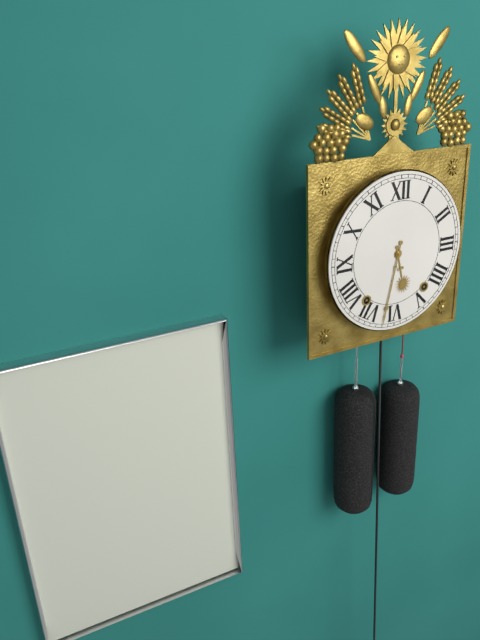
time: 5.32
